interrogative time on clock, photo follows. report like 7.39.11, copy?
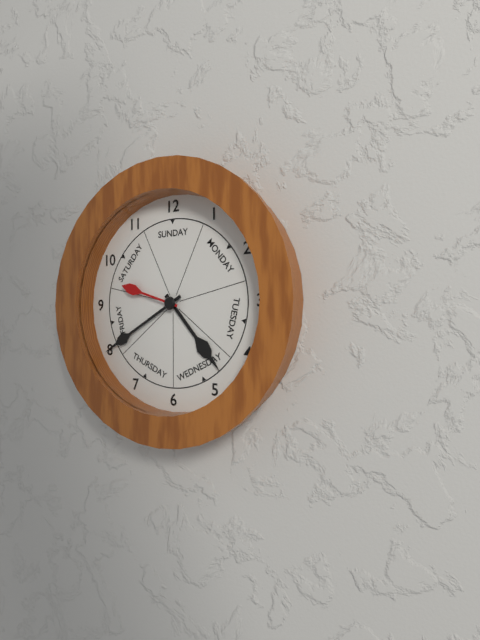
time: 4.40.48
